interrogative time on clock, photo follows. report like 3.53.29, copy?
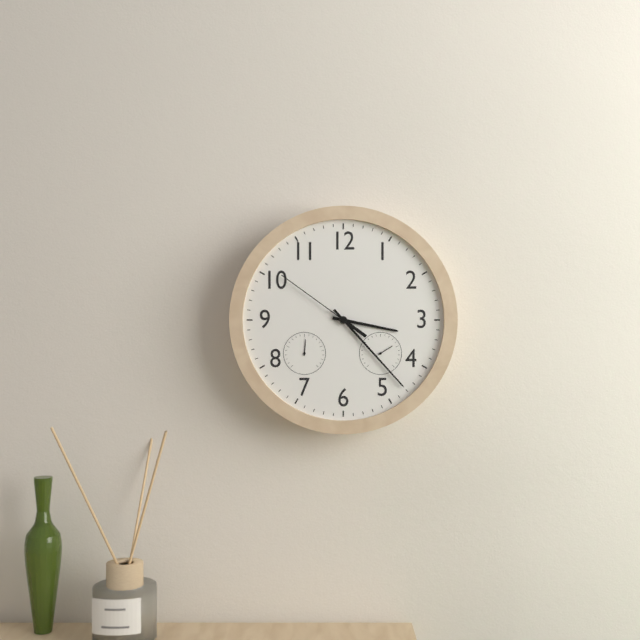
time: 3.23.51
